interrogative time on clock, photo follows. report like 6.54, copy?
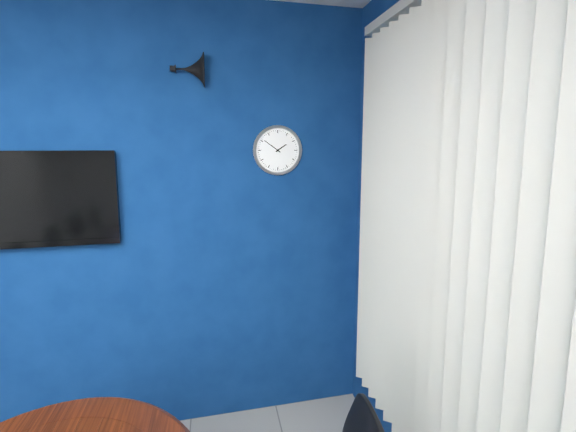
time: 1.51
